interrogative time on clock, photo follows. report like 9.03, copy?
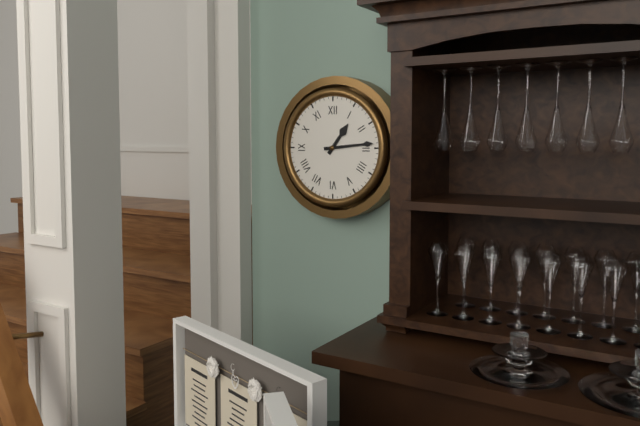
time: 1.14
